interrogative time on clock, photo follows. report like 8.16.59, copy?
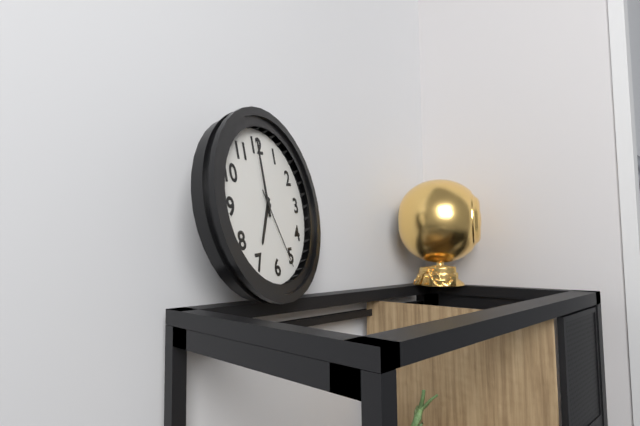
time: 7.00.26
